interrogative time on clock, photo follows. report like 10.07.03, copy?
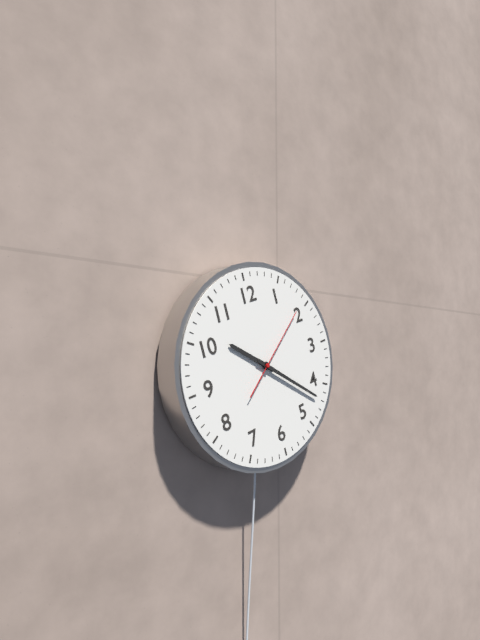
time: 10.22.09
